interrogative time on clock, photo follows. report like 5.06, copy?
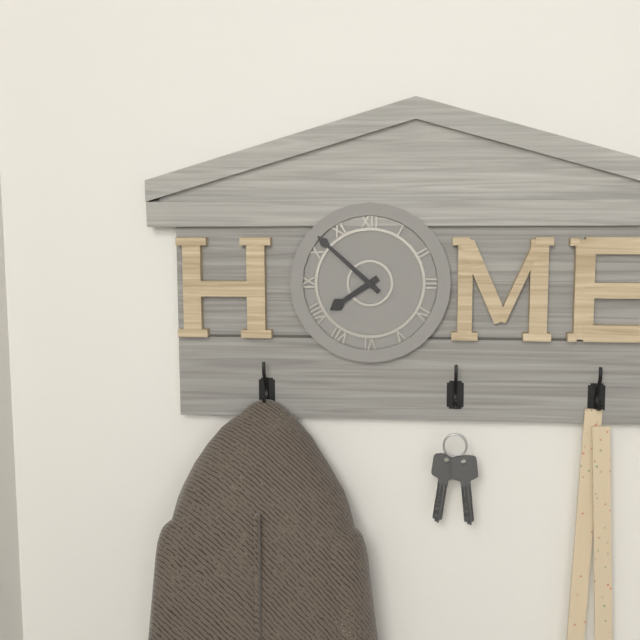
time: 7.52
